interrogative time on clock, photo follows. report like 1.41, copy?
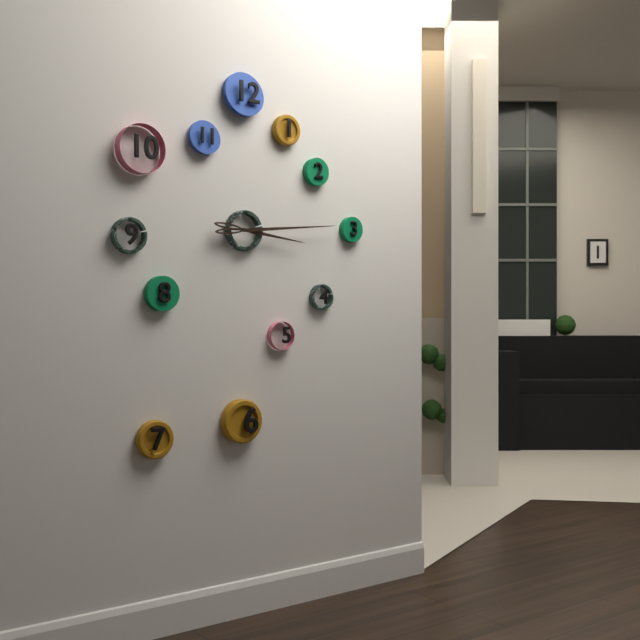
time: 3.14
